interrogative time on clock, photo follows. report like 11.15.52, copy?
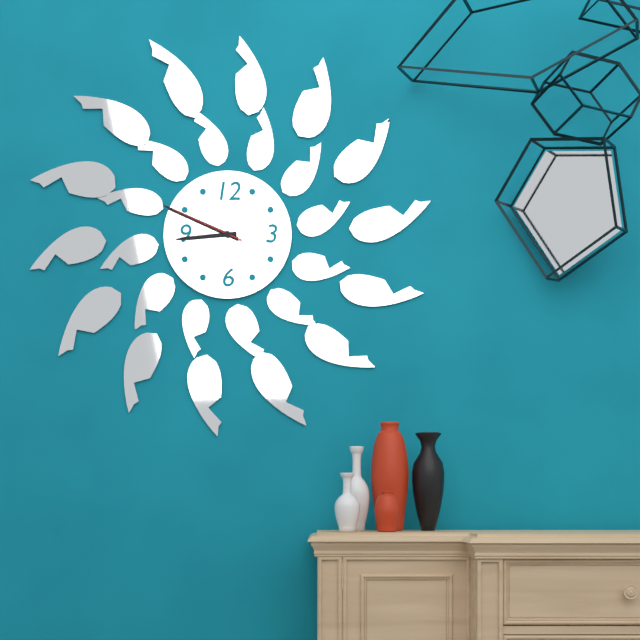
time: 8.49.49
